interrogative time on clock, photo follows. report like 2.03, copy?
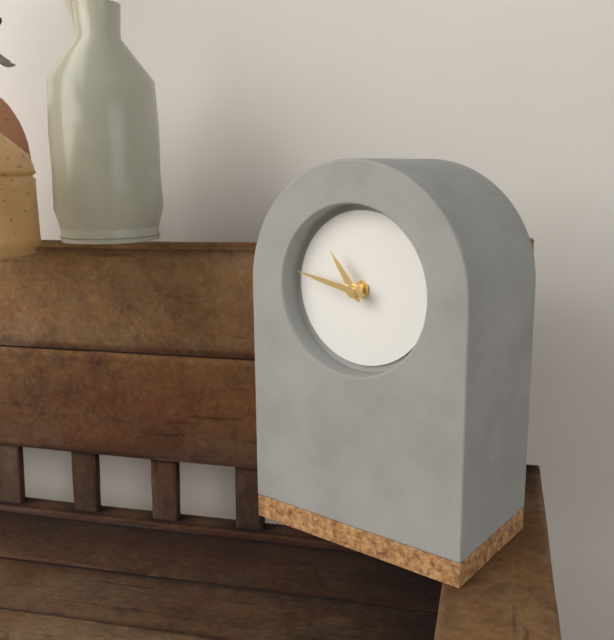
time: 10.47
